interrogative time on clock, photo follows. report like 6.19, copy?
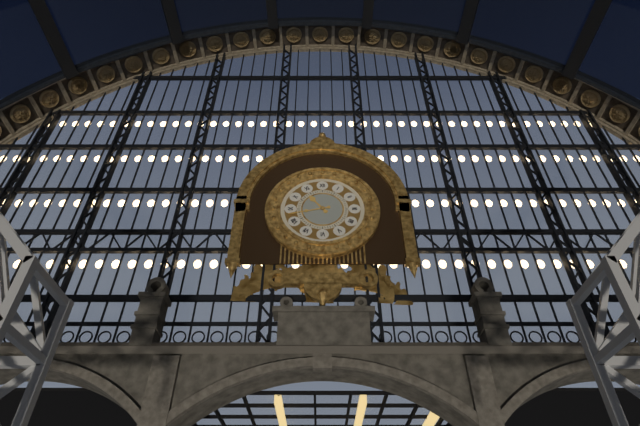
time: 10.43
